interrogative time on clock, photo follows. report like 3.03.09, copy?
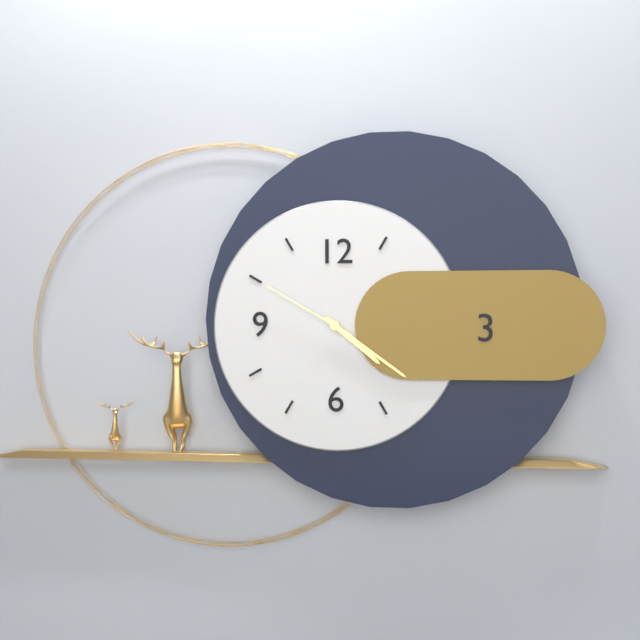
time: 4.21.50
